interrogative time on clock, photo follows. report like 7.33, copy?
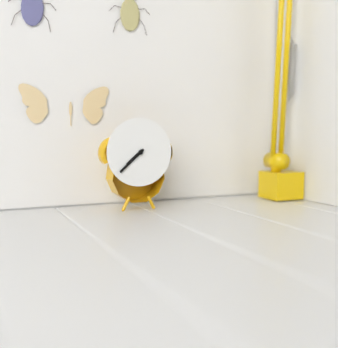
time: 7.38
